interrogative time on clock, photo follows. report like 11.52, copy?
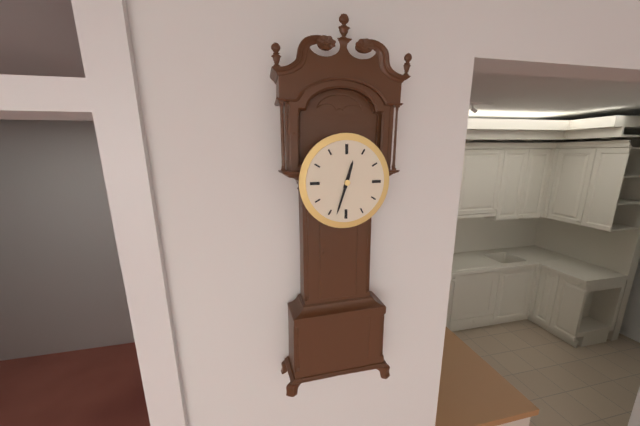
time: 12.33
